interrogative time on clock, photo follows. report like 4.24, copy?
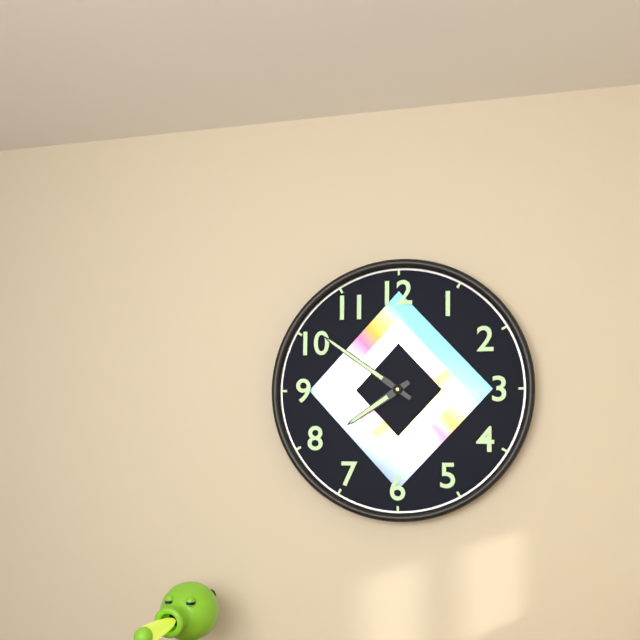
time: 7.51
